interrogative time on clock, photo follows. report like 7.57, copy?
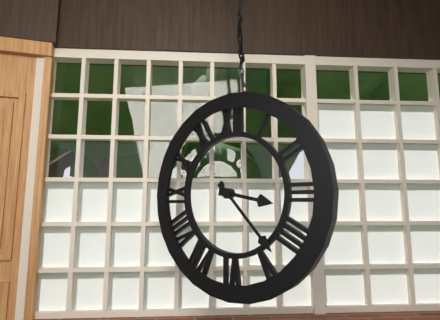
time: 3.23
